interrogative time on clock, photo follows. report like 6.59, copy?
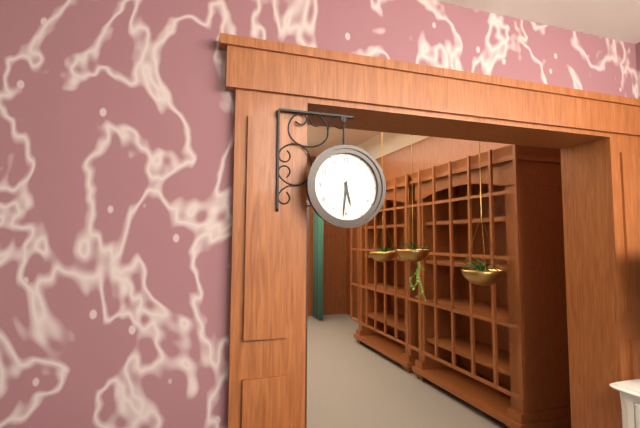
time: 5.31
